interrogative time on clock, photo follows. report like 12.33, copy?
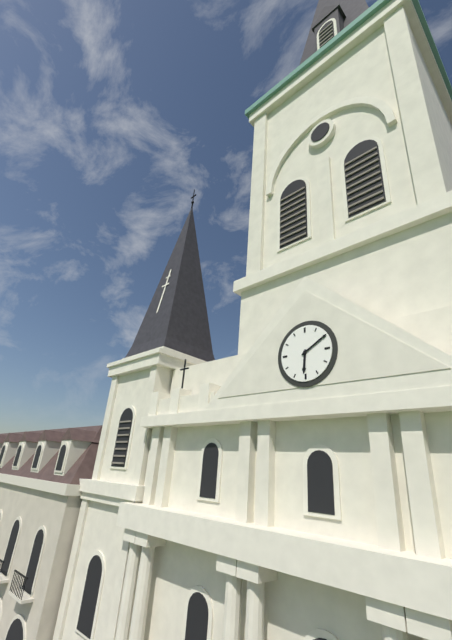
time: 6.10
